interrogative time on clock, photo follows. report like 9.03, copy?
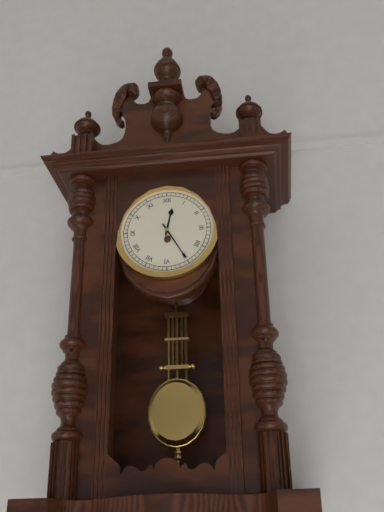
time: 12.25
